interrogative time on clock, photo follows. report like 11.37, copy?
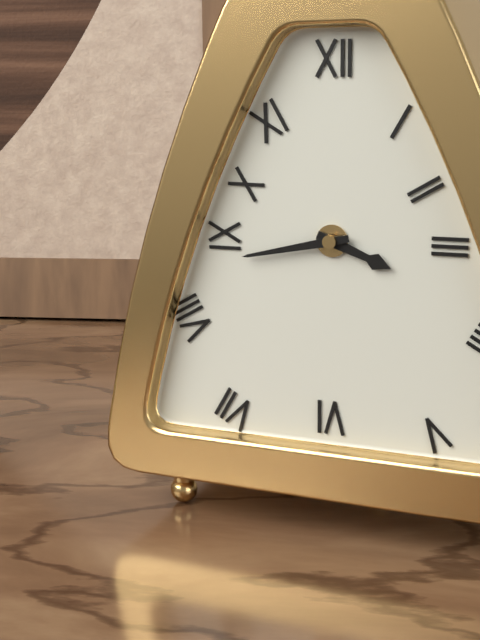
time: 3.43
